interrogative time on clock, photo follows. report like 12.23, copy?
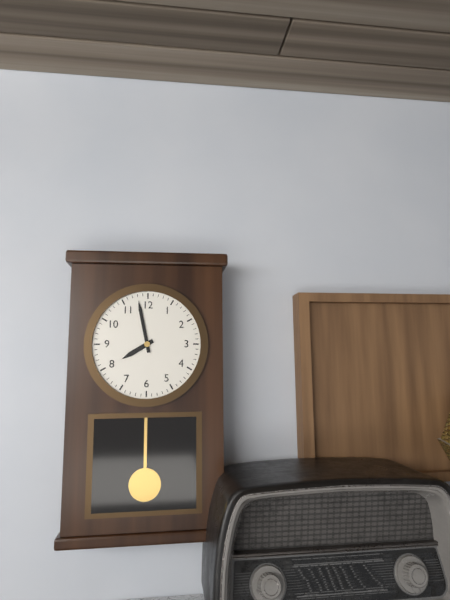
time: 7.58
